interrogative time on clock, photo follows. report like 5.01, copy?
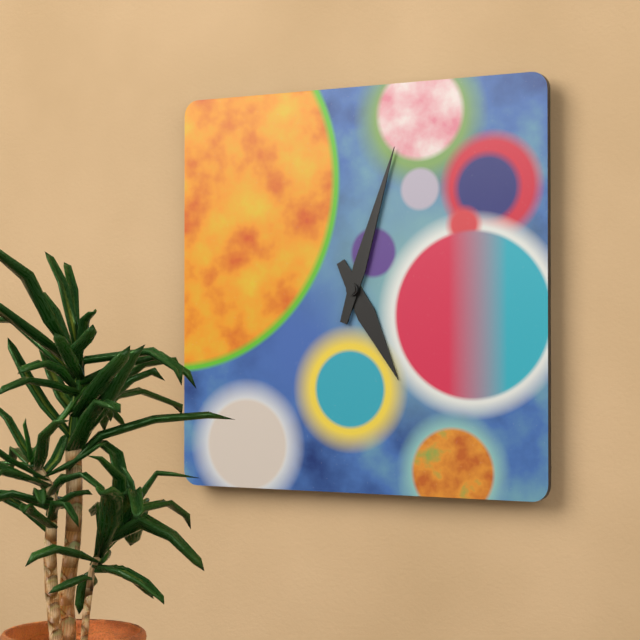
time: 5.03
